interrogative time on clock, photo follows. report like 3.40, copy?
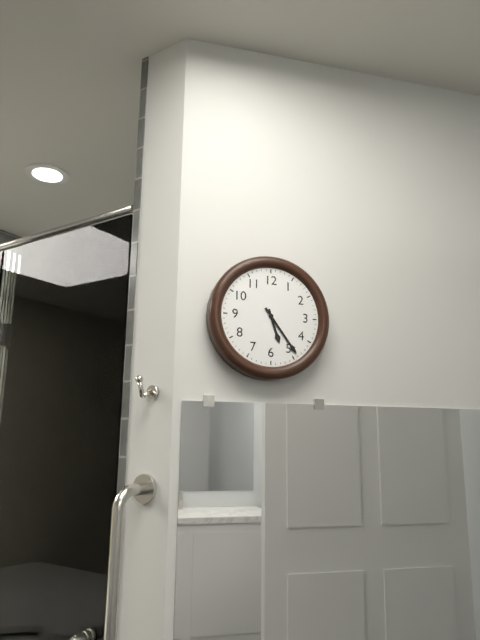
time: 5.24
